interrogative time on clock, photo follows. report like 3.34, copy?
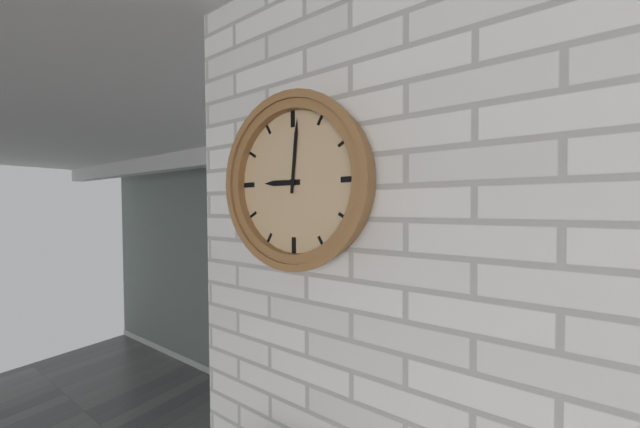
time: 9.01
